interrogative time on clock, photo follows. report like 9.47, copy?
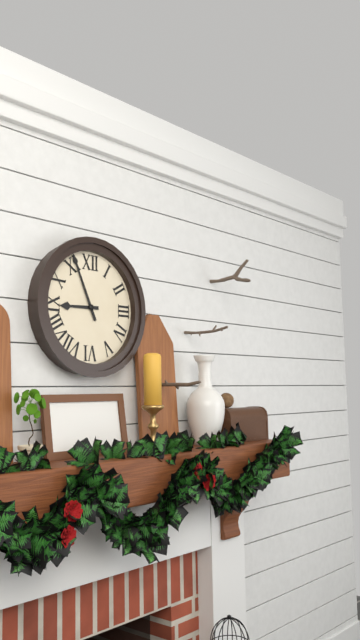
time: 8.56
